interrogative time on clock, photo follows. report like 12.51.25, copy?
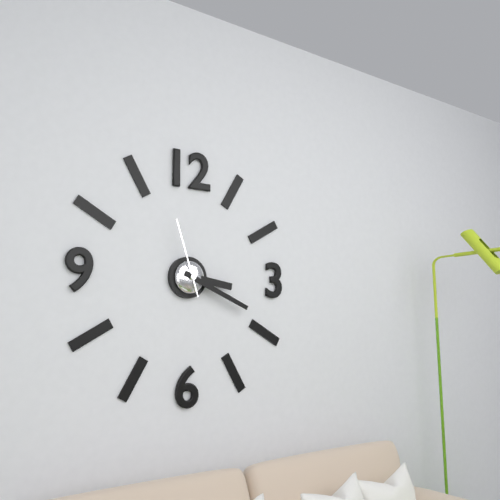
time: 3.19.57
